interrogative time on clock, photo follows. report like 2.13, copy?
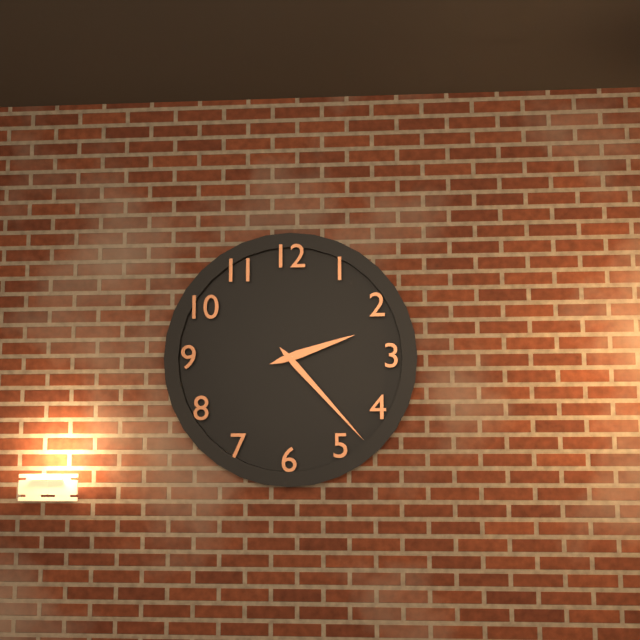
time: 2.23
